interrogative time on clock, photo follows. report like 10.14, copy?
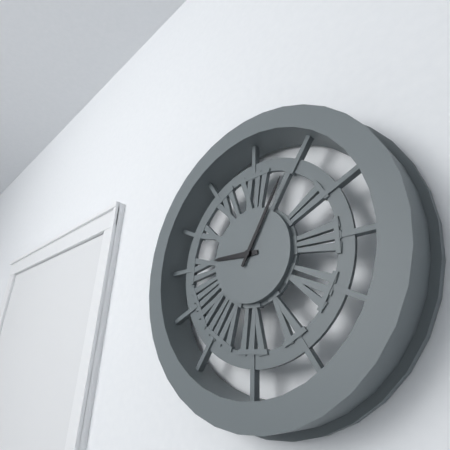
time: 9.05
